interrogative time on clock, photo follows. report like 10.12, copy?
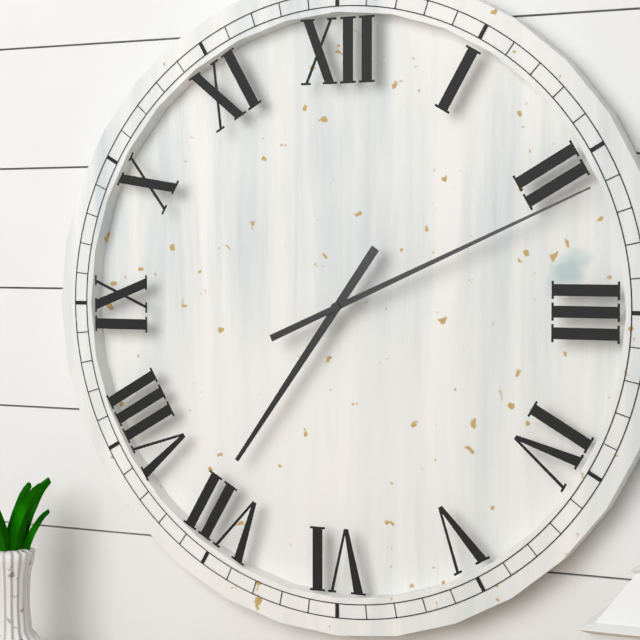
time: 7.11
